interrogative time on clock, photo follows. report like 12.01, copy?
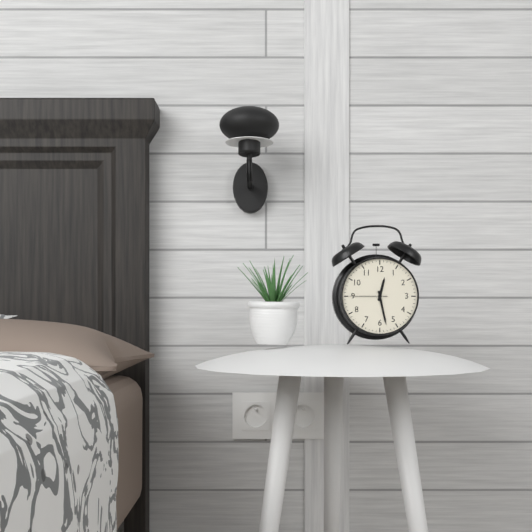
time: 12.28
